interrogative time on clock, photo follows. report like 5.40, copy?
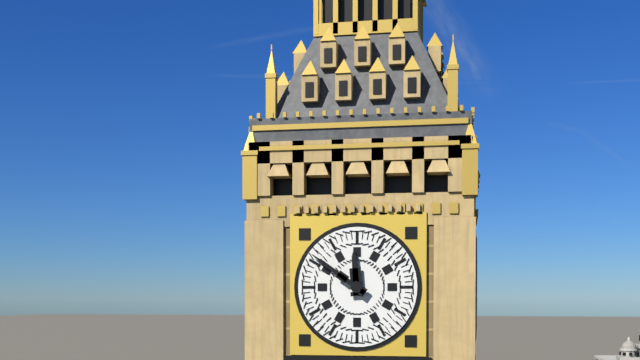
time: 11.51
